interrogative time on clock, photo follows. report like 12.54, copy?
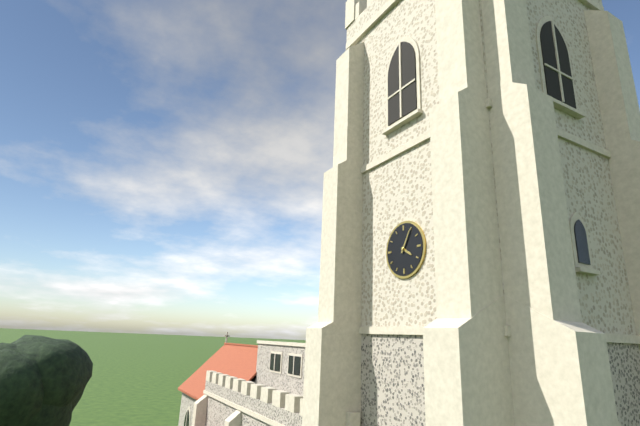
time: 4.05
